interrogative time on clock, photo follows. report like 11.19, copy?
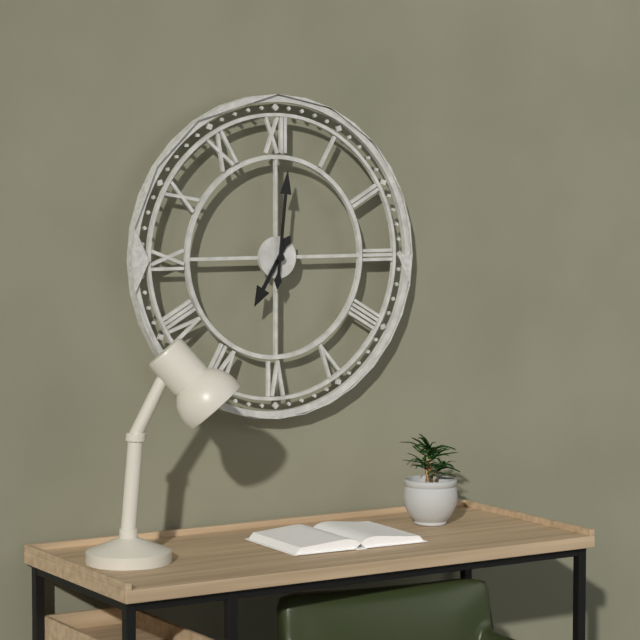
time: 7.01
